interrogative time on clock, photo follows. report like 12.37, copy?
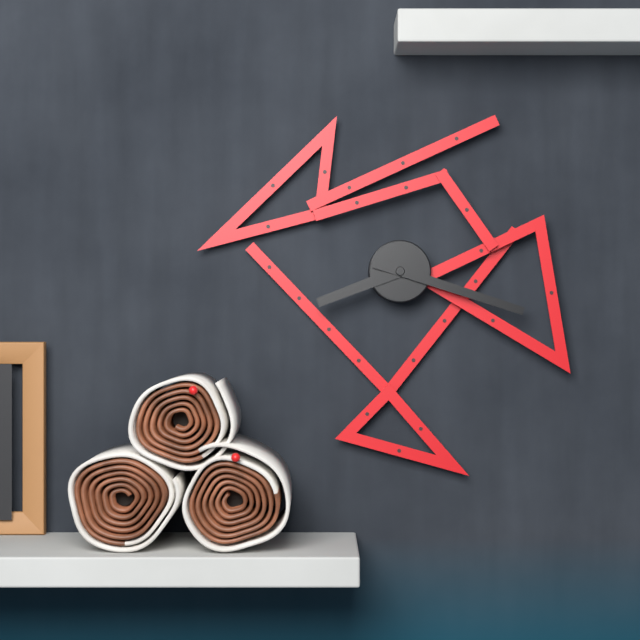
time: 8.18
